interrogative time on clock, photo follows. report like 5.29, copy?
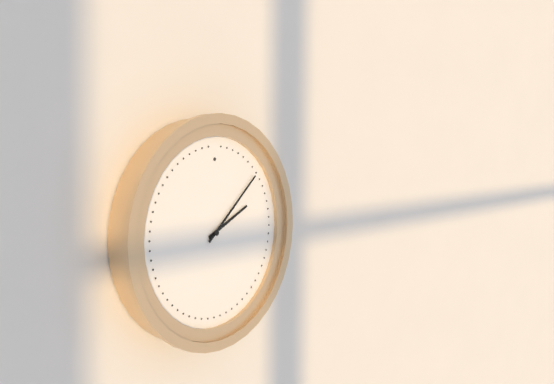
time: 2.08
